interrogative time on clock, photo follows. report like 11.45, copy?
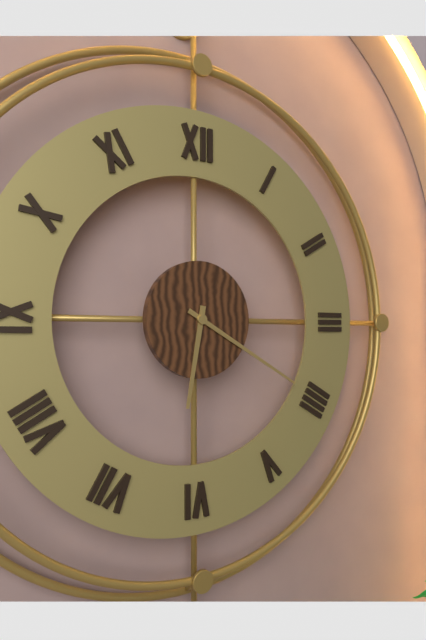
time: 6.20
